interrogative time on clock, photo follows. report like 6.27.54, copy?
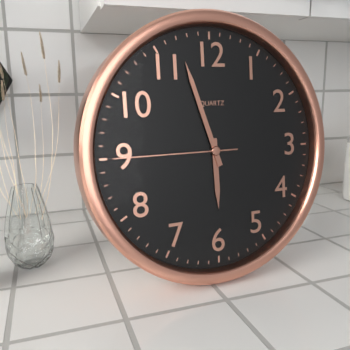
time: 5.57.45
